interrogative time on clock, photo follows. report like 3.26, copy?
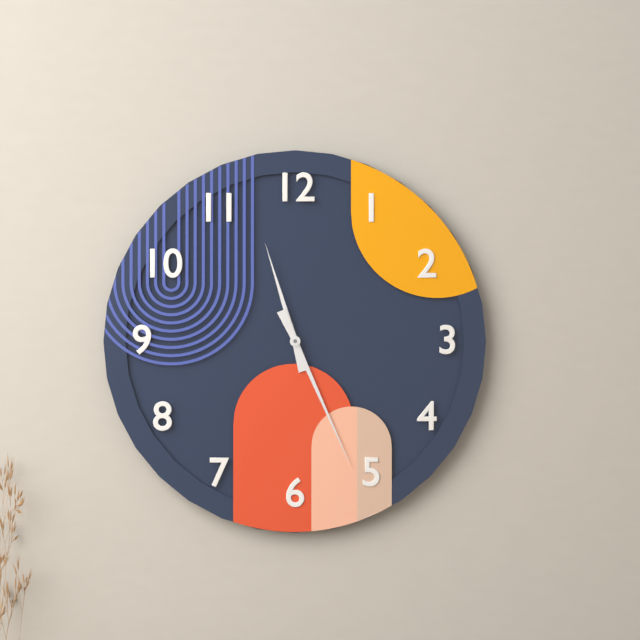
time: 11.26
